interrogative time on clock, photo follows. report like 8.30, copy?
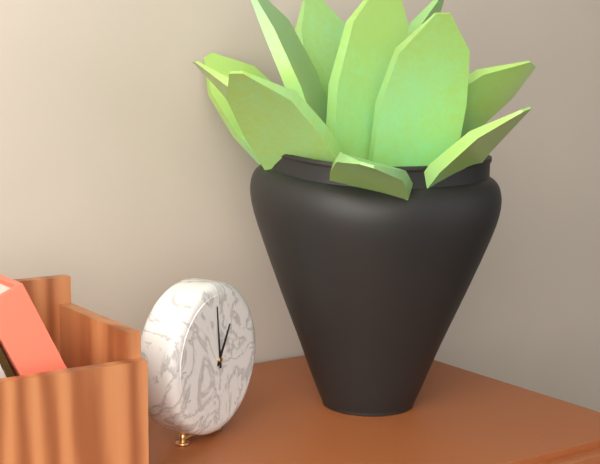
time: 12.59
